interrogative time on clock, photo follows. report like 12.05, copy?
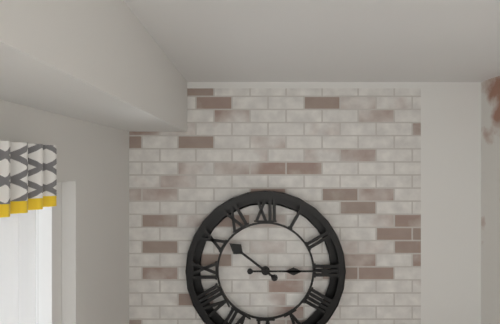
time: 10.15
